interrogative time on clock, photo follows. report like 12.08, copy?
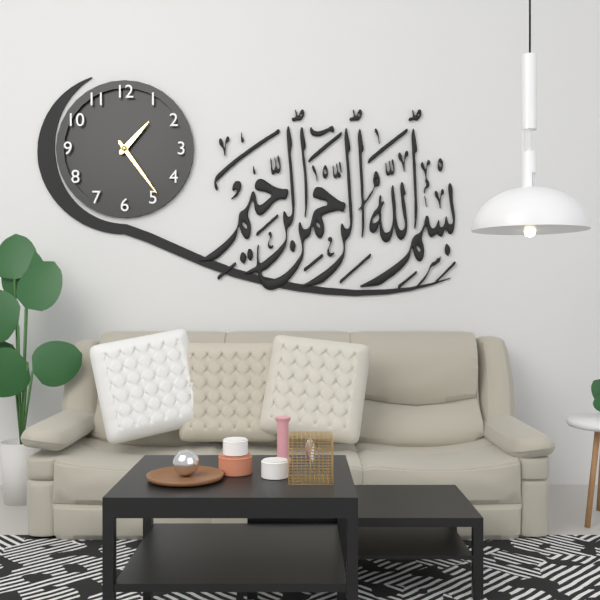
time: 1.24
